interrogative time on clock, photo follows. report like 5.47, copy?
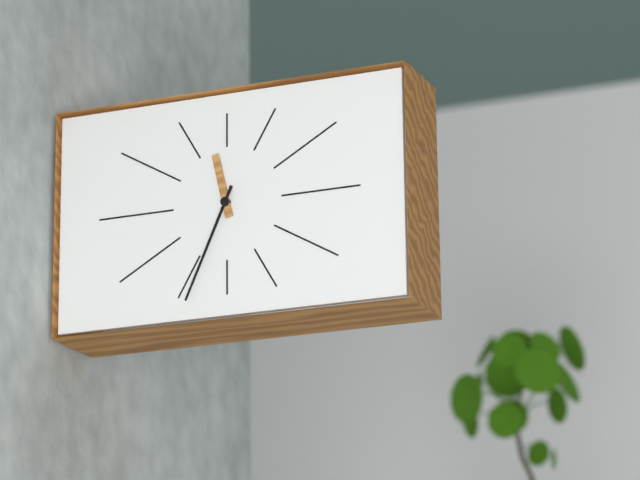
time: 11.34
